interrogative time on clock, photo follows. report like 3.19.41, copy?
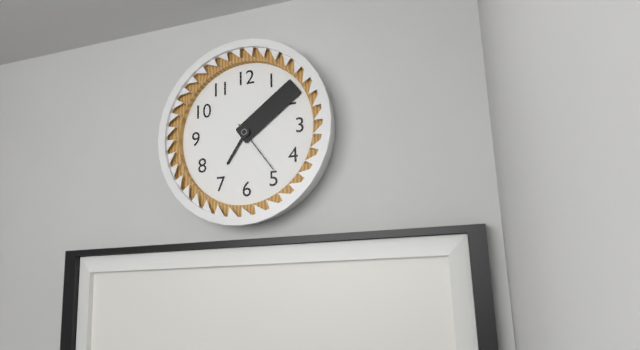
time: 7.09.24
